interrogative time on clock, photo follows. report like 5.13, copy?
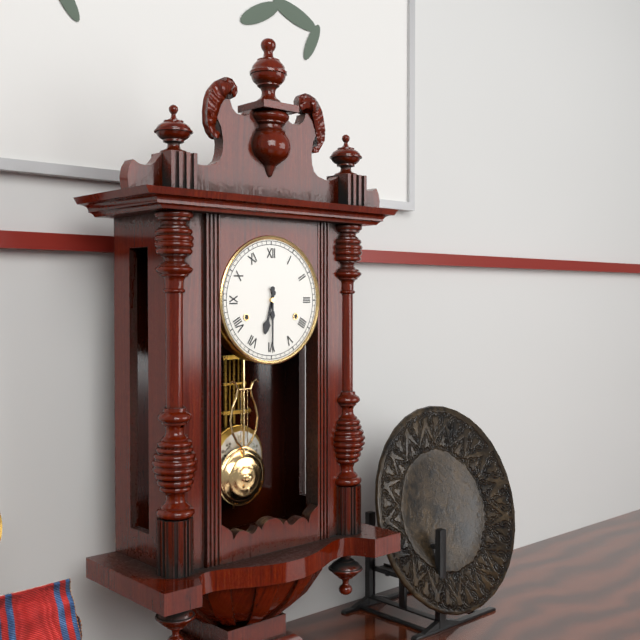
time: 6.30
